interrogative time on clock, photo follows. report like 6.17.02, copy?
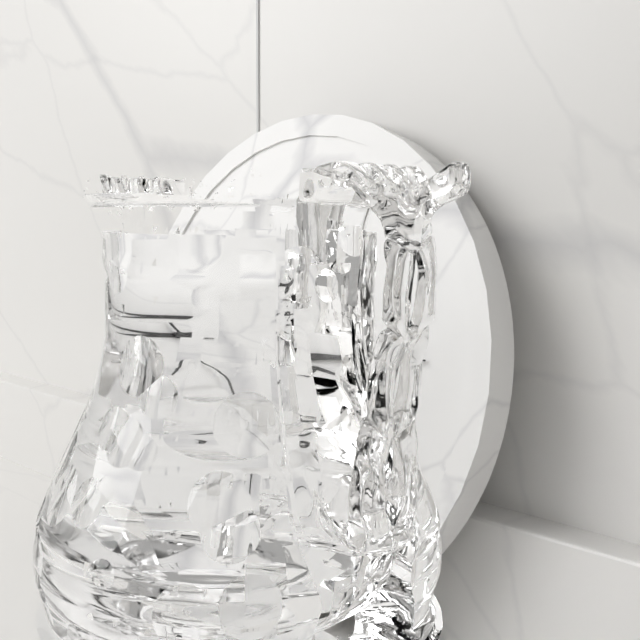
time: 3.14.32
